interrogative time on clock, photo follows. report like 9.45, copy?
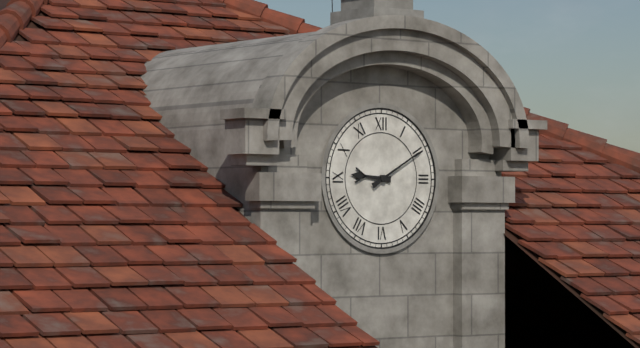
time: 9.10
